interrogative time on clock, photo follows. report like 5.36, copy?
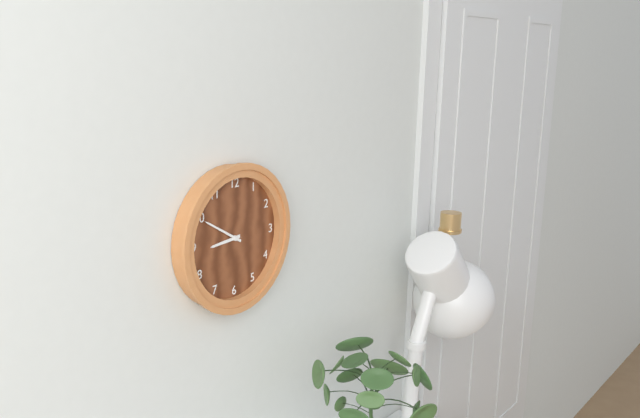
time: 8.50
